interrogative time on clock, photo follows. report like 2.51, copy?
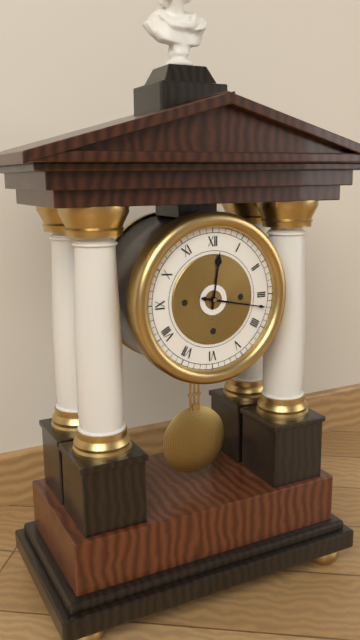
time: 12.17
